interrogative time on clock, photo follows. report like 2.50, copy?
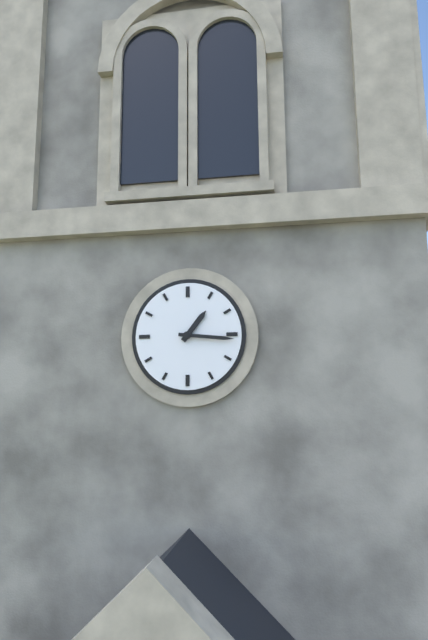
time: 1.16
